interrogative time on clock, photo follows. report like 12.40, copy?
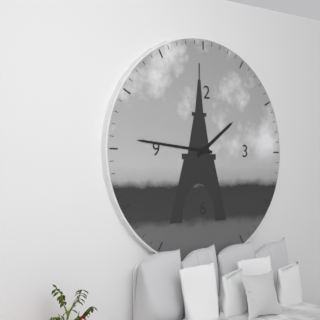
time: 1.46
